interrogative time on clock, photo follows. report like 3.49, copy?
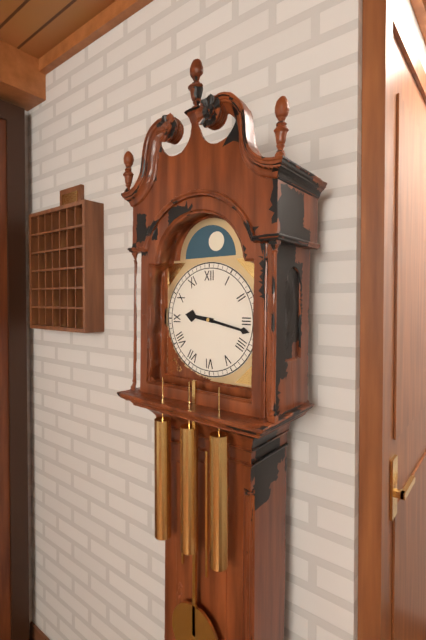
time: 9.17
